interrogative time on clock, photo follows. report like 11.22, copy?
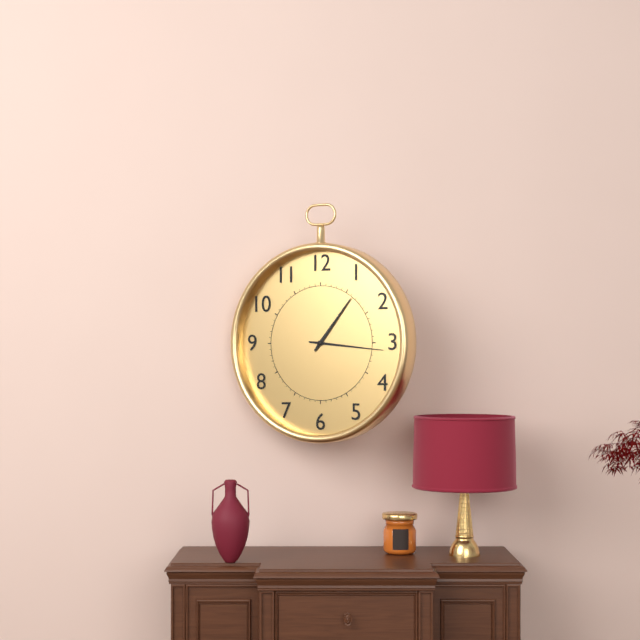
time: 1.16
